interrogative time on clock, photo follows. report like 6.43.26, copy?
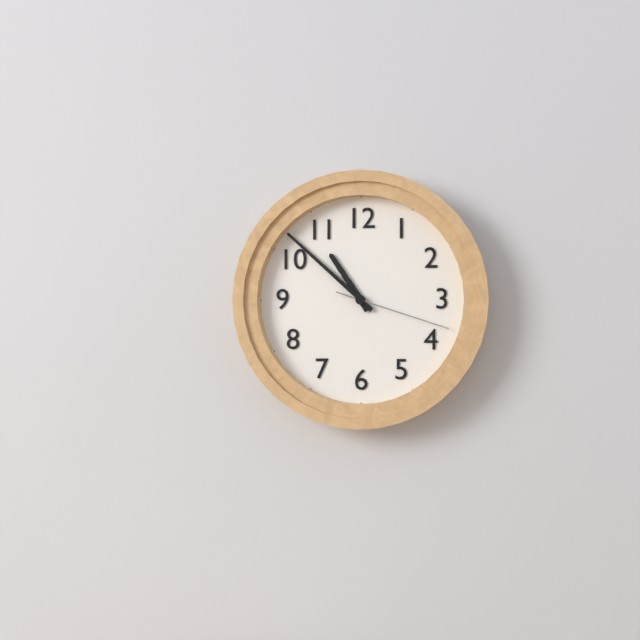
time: 10.52.18
